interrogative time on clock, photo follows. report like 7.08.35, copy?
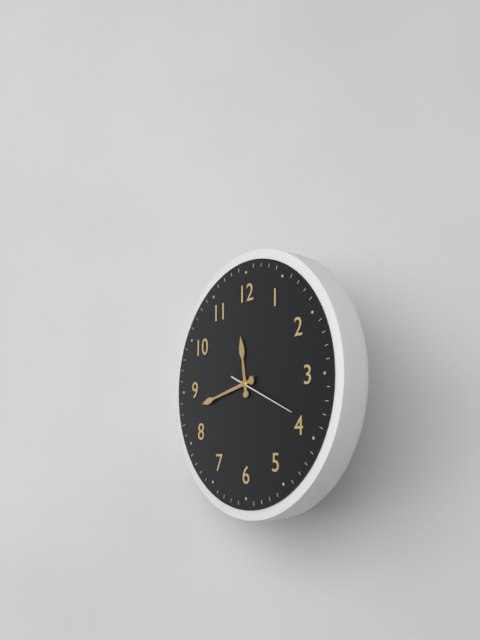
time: 11.43.19
